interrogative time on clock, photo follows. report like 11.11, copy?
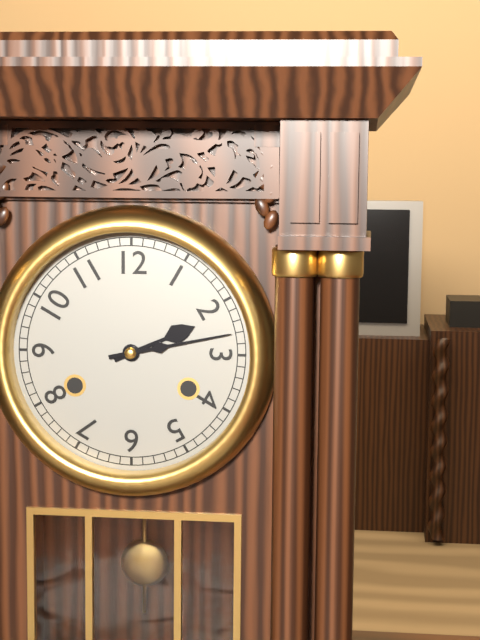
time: 2.13
